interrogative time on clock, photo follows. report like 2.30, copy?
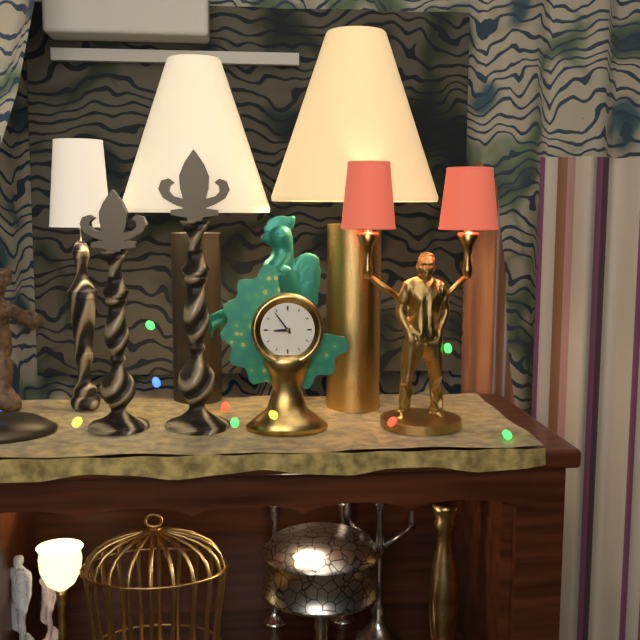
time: 8.54
